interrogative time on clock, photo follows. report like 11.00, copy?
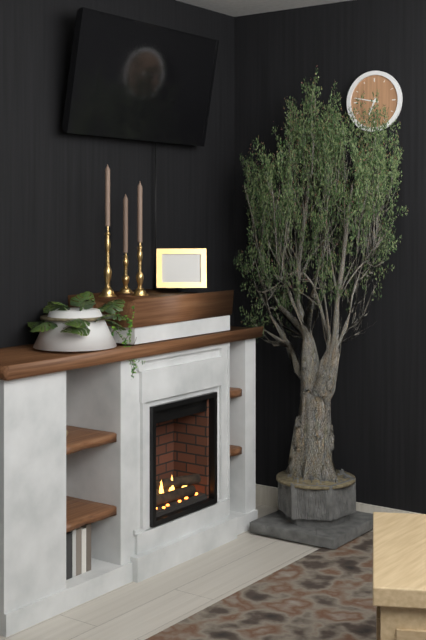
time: 6.47
